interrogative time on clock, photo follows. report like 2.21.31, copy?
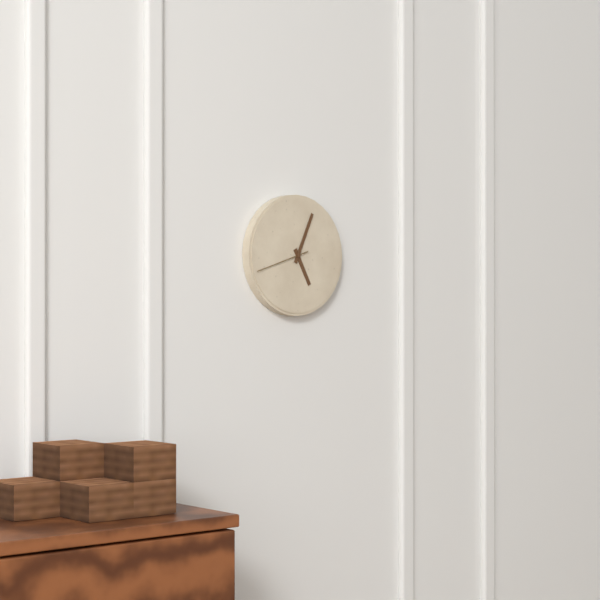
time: 5.04.42
